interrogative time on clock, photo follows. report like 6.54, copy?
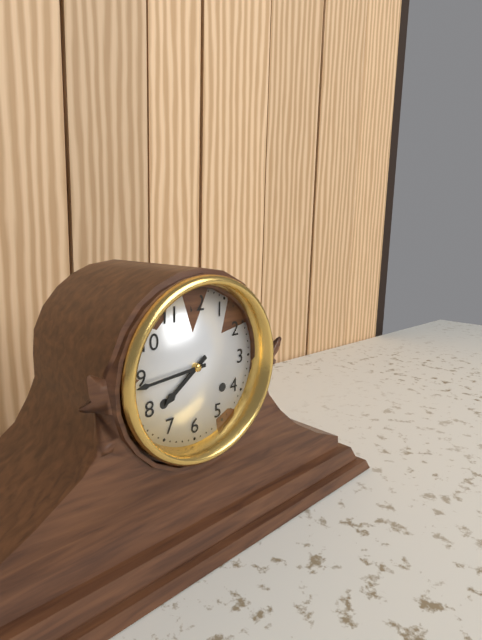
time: 7.44
